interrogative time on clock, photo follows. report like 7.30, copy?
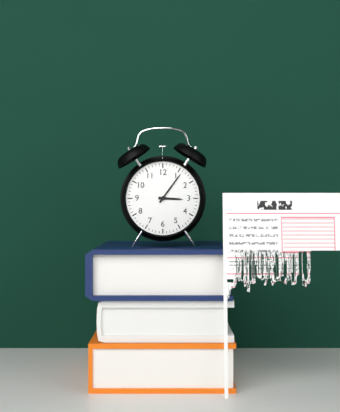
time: 3.06
